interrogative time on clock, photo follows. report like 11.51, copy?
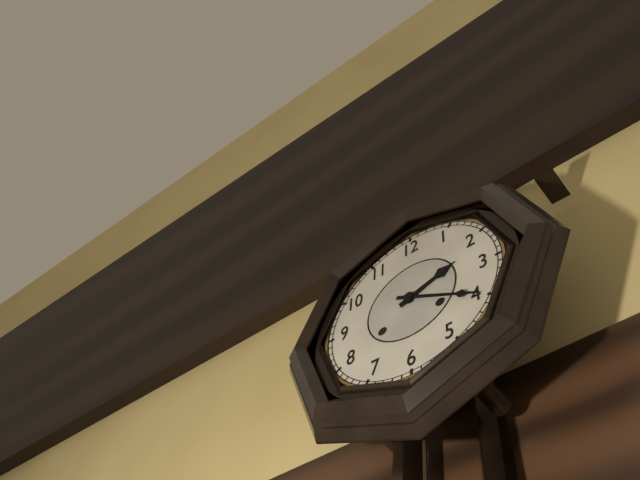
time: 2.20
